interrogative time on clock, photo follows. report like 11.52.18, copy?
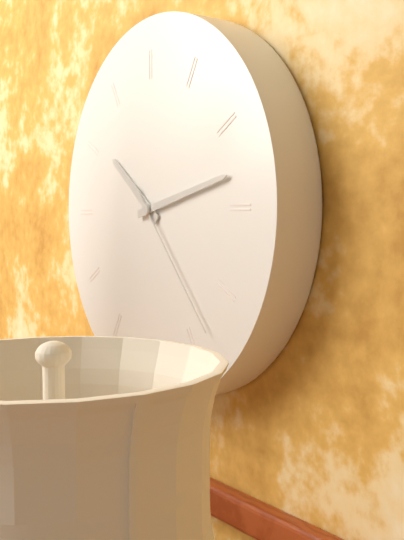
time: 10.13.23
